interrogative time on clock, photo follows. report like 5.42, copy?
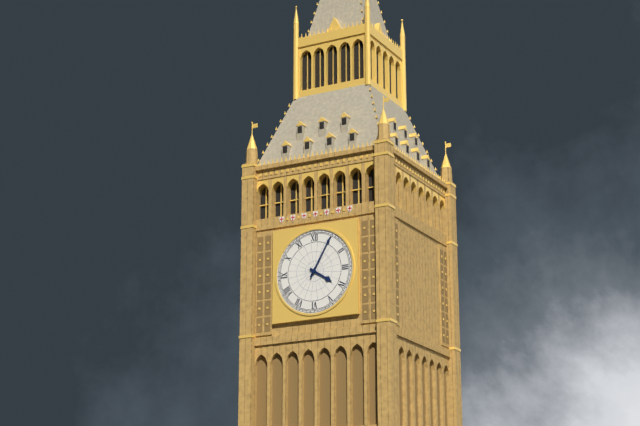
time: 4.05
